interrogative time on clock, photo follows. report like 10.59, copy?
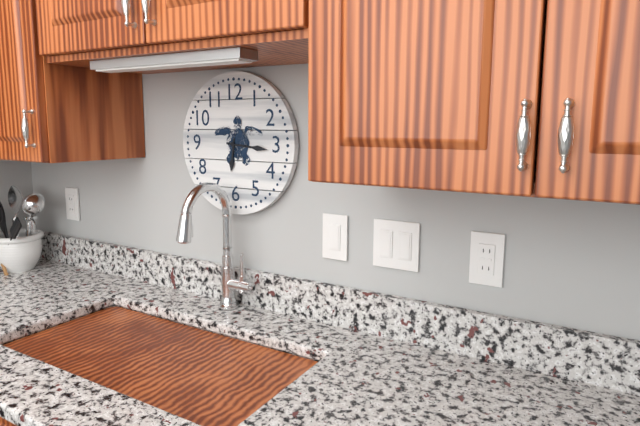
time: 6.16
